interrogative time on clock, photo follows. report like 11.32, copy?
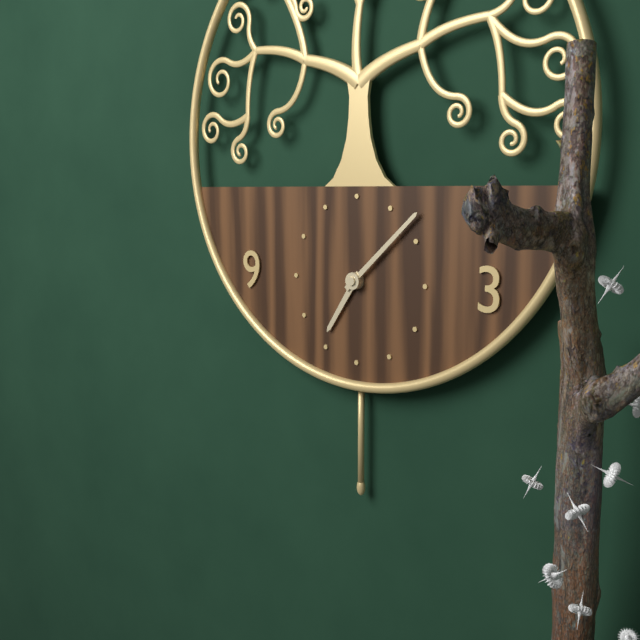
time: 7.08
